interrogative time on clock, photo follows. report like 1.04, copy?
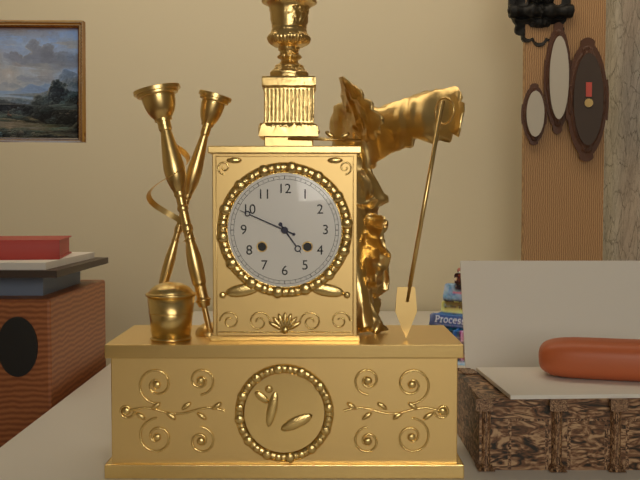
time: 4.49
